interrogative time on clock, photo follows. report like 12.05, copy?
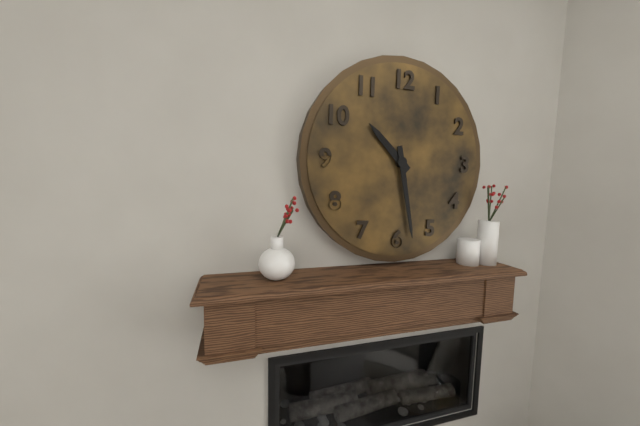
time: 10.28
